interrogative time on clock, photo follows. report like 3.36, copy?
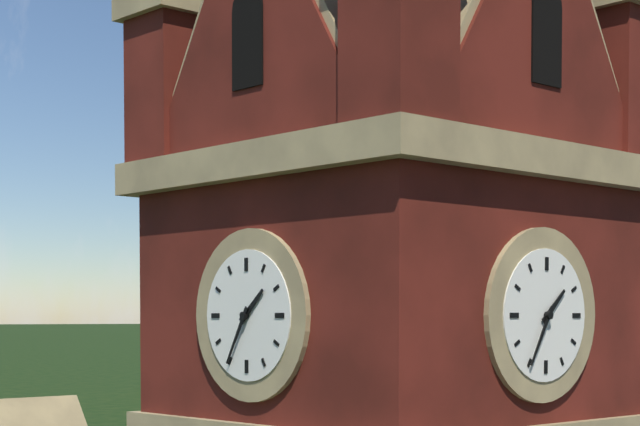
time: 1.35
